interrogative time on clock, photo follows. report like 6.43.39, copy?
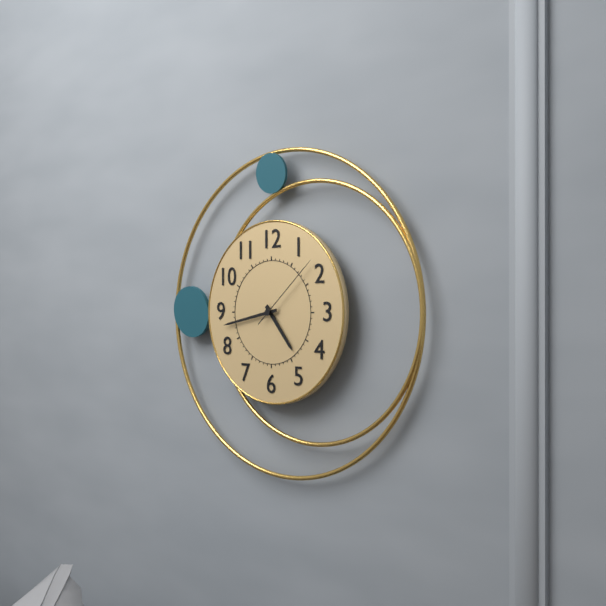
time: 4.43.08
